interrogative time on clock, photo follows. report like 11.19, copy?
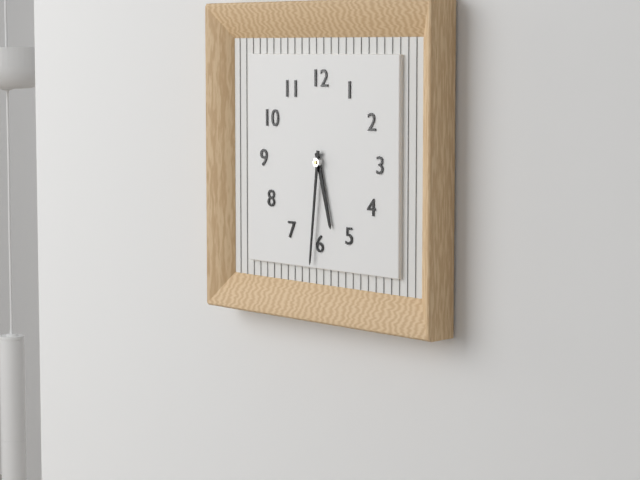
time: 5.31
